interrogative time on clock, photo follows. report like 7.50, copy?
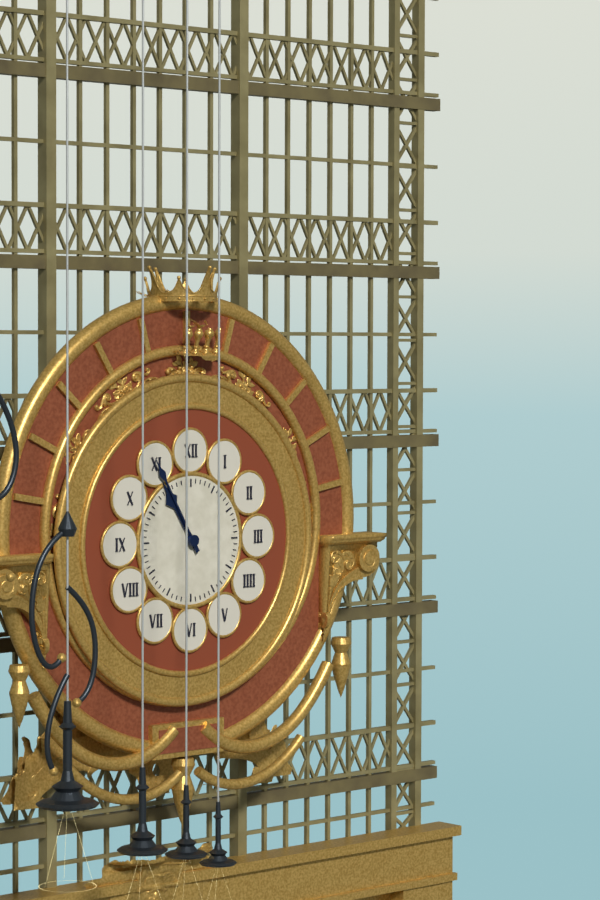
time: 10.55
